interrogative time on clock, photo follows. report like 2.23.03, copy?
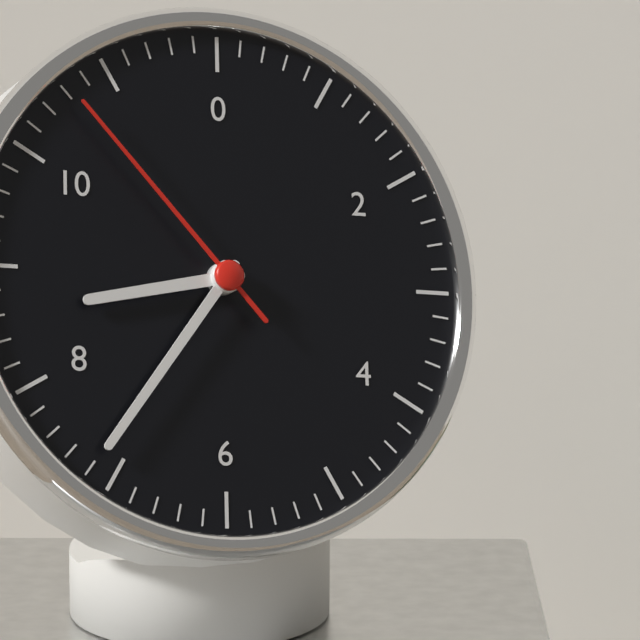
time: 8.36.53
